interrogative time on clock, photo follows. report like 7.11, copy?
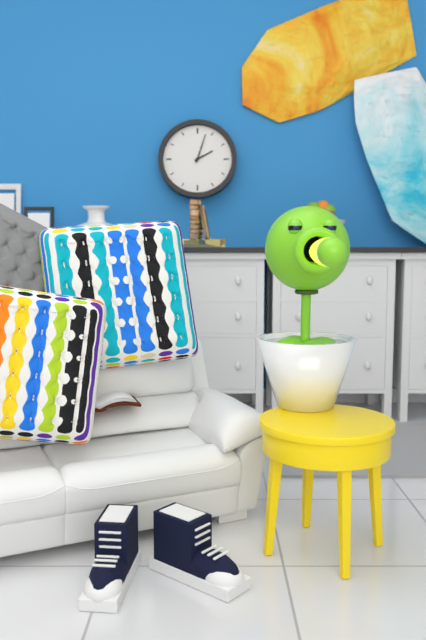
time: 2.03
